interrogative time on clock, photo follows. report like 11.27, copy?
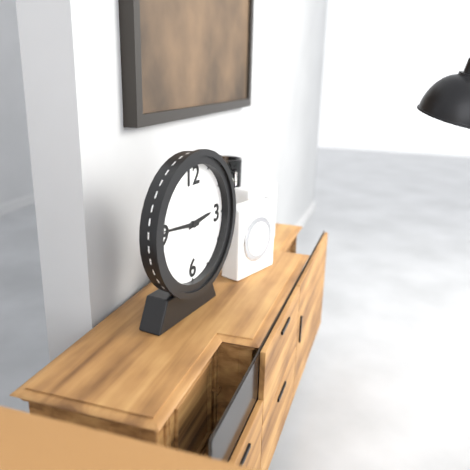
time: 2.46
